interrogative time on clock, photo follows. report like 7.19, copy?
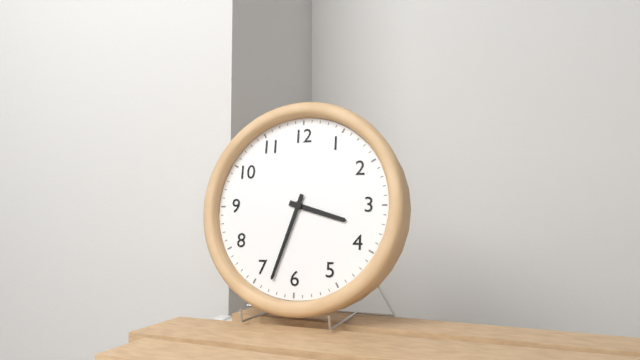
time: 3.33
